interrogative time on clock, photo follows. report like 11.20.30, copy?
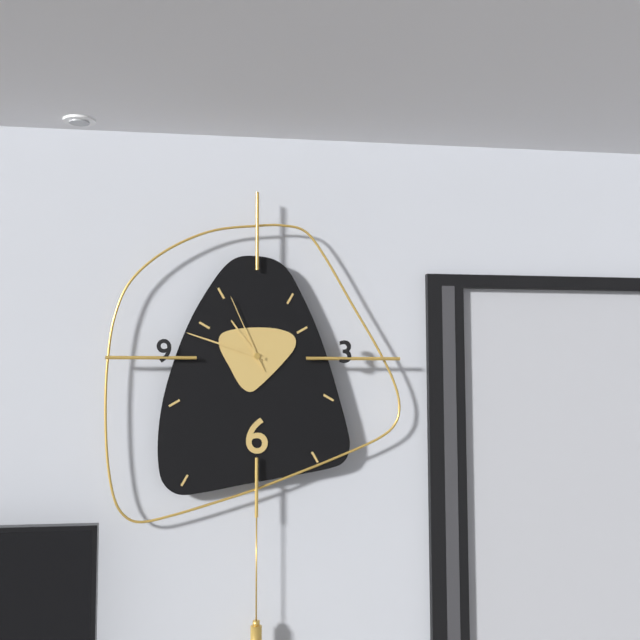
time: 10.48.56
